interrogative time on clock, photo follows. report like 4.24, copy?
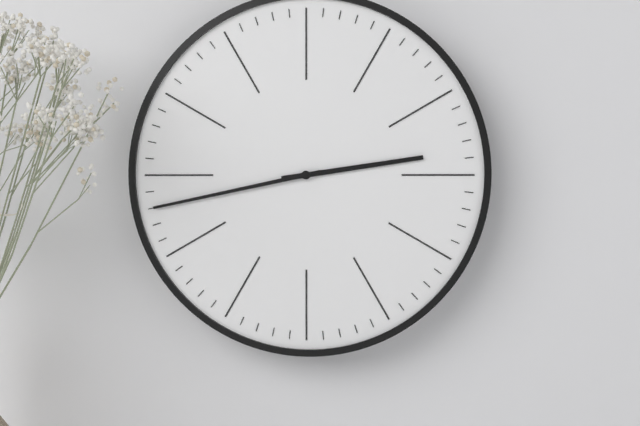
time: 2.43
